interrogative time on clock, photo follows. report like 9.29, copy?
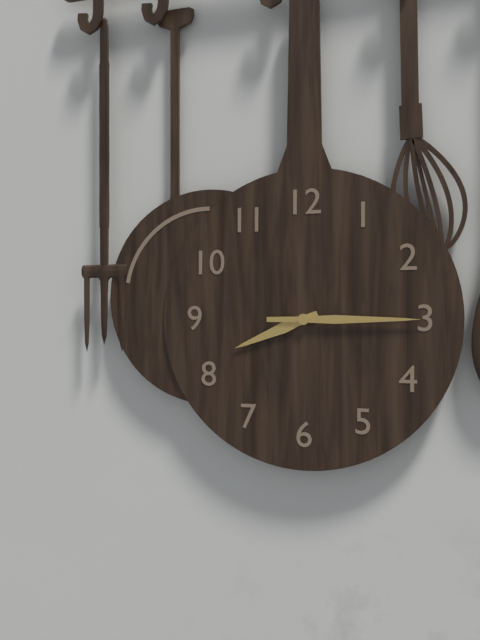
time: 8.15
